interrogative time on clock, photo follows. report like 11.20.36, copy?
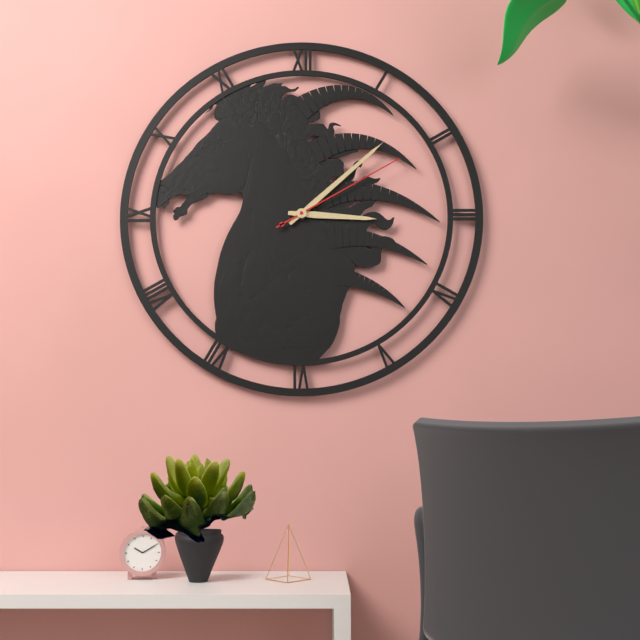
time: 3.08.10
